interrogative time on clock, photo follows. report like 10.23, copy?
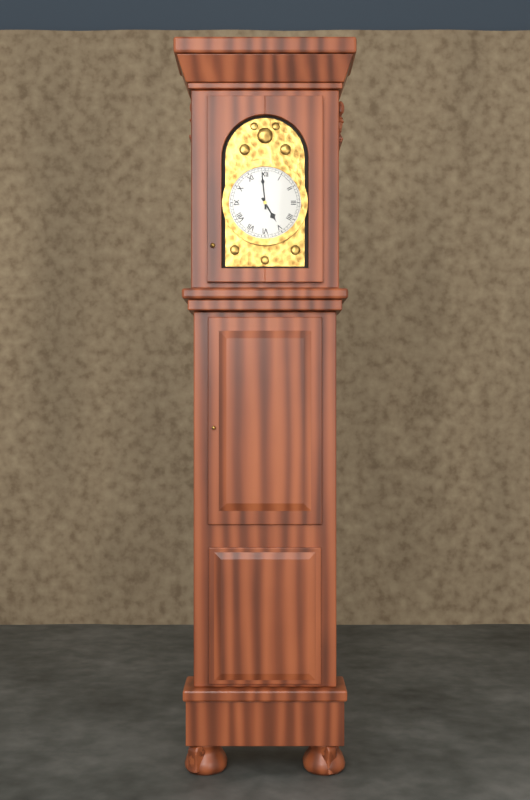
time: 4.59
